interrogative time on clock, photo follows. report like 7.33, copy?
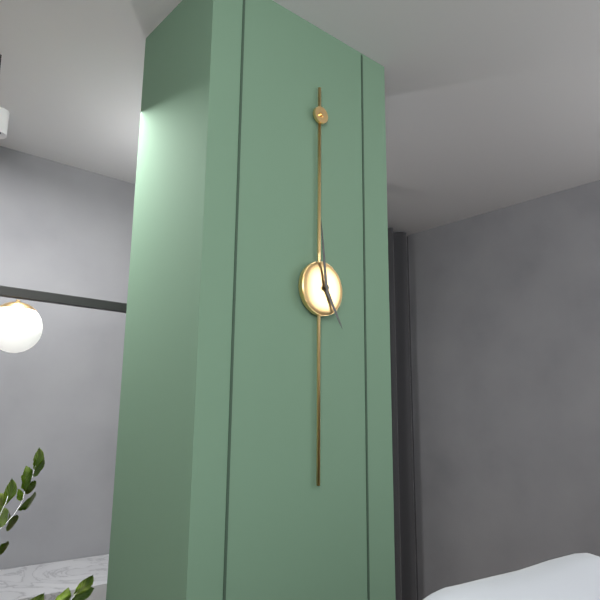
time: 4.59
